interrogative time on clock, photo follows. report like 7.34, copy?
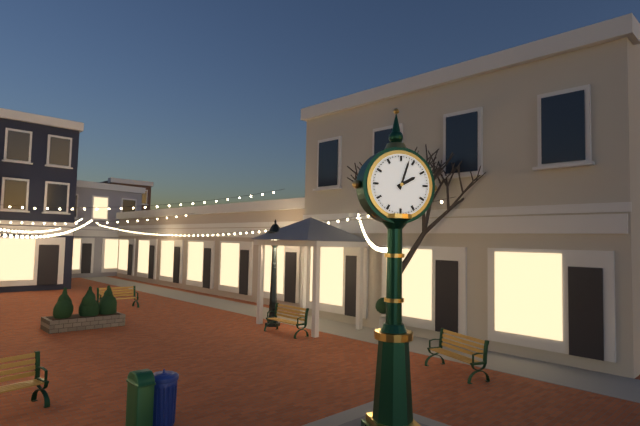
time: 2.03
